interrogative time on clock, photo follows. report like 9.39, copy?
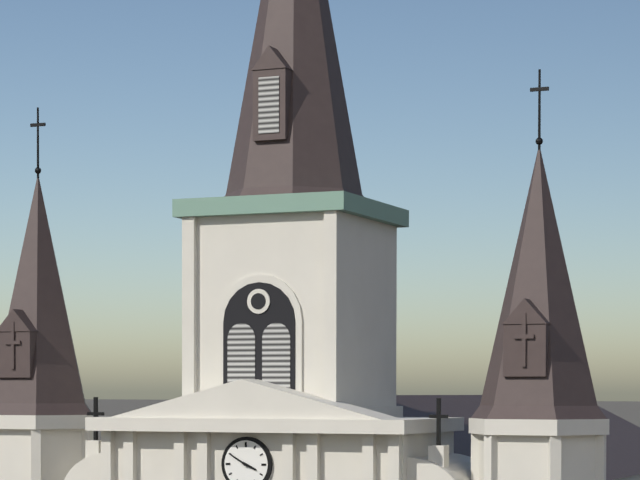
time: 3.50
